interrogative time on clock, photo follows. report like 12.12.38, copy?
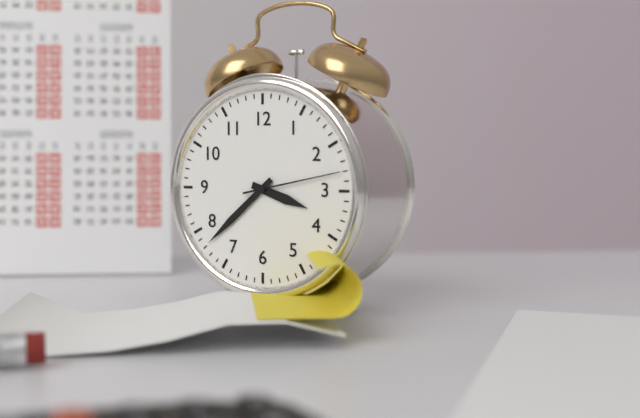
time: 3.38.13
